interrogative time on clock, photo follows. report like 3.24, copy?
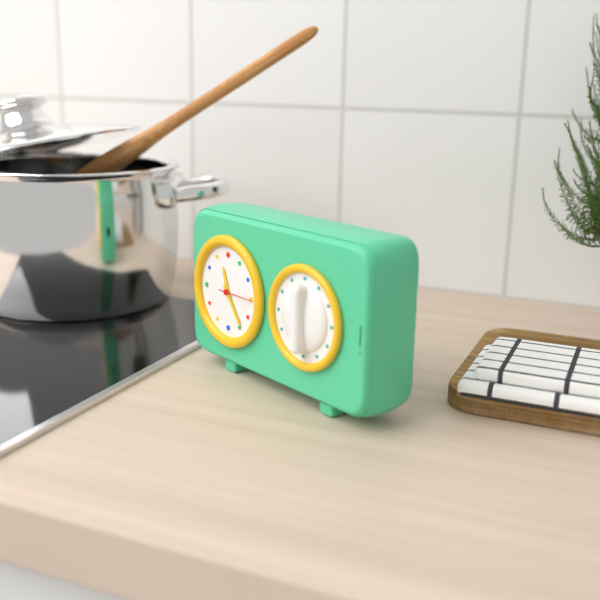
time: 11.24
